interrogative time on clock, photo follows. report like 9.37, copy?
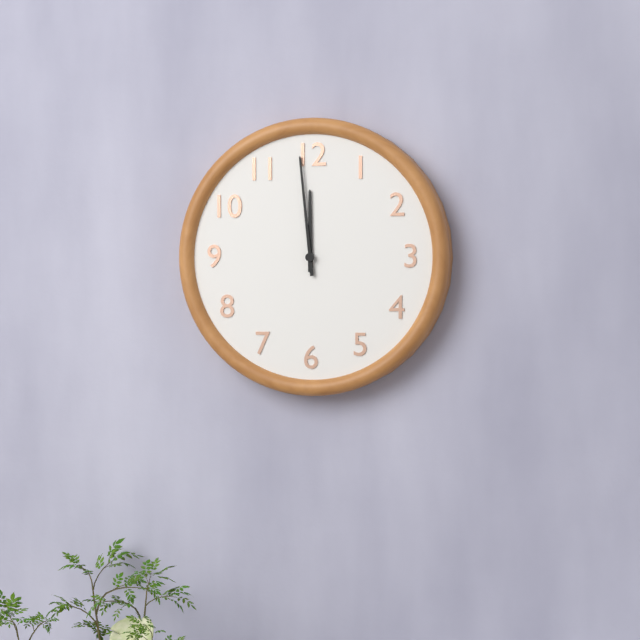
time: 11.59
